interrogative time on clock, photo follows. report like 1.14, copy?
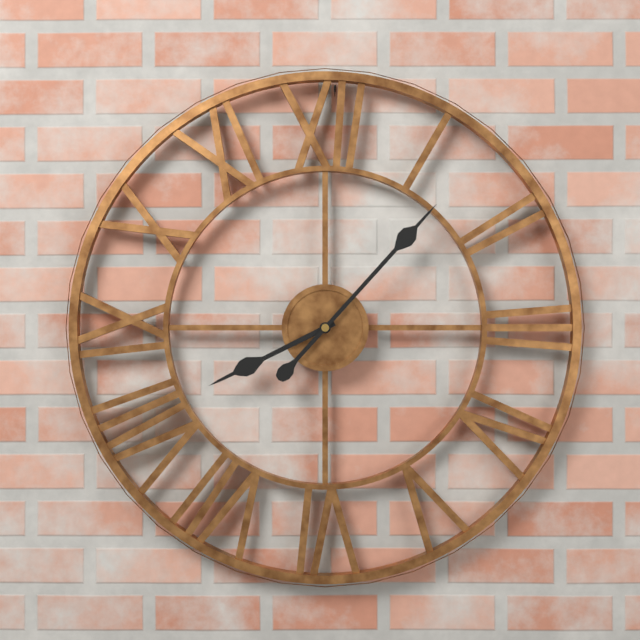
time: 8.07
